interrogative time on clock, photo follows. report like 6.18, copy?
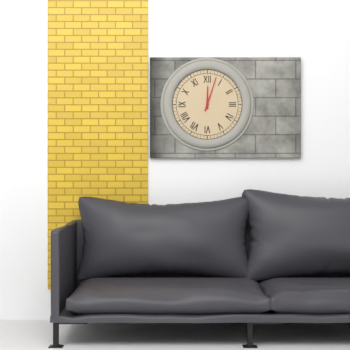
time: 12.03
